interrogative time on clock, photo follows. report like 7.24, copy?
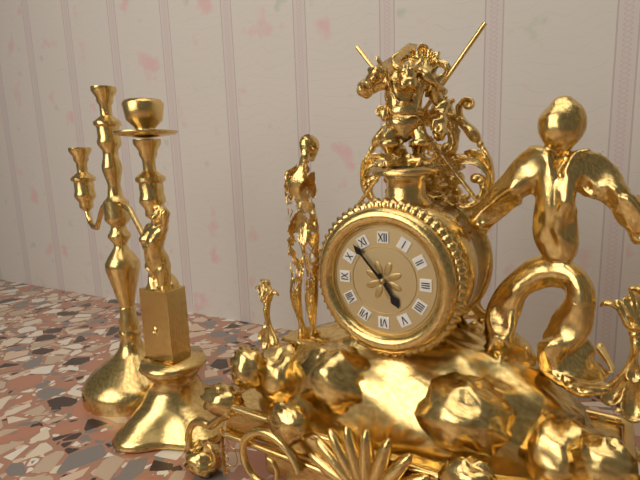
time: 4.53
